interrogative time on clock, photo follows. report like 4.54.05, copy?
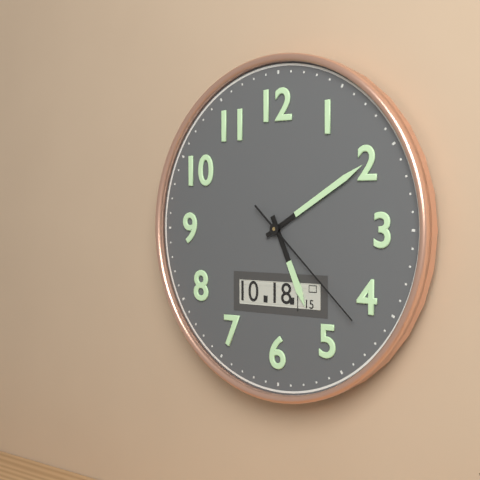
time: 5.10.22
